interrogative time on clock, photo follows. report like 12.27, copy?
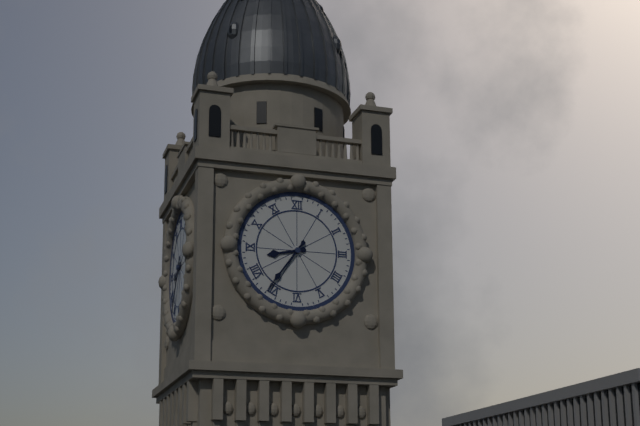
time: 8.36
